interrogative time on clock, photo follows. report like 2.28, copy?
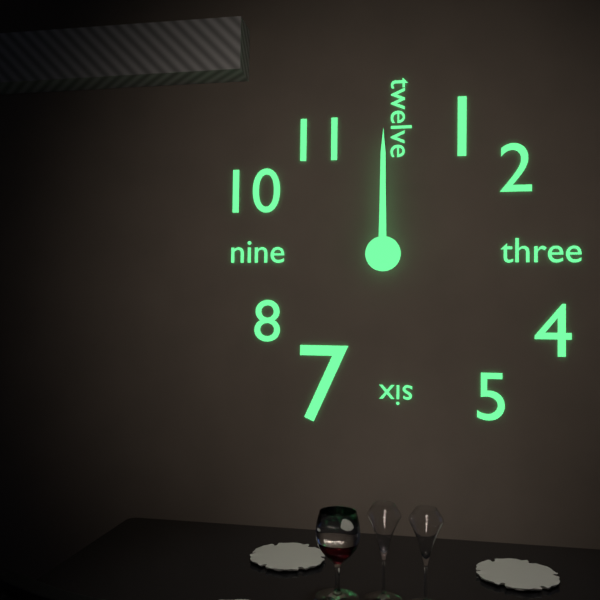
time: 12.00
